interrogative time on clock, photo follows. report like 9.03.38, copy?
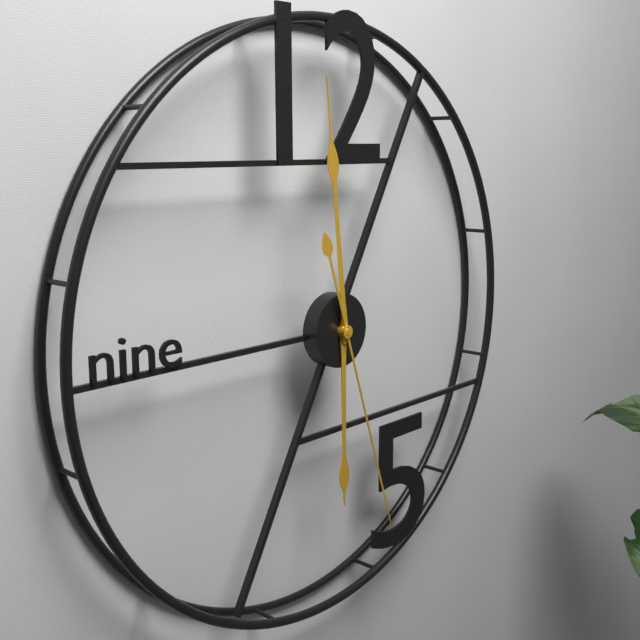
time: 5.59.27
